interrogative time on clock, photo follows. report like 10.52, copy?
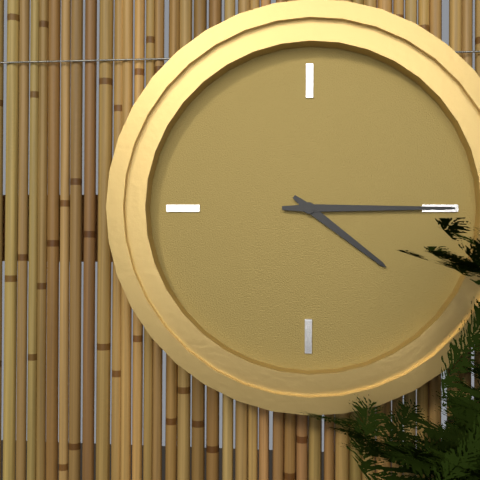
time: 4.15
